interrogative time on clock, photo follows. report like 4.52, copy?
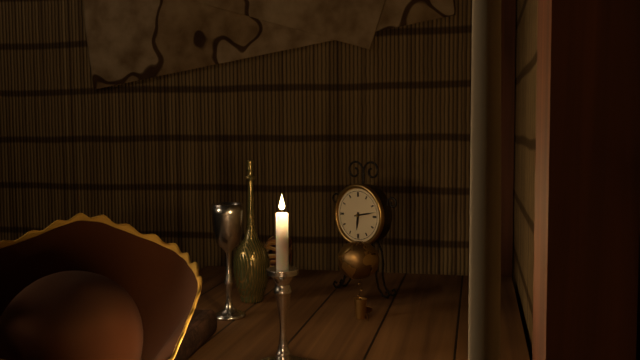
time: 6.13
